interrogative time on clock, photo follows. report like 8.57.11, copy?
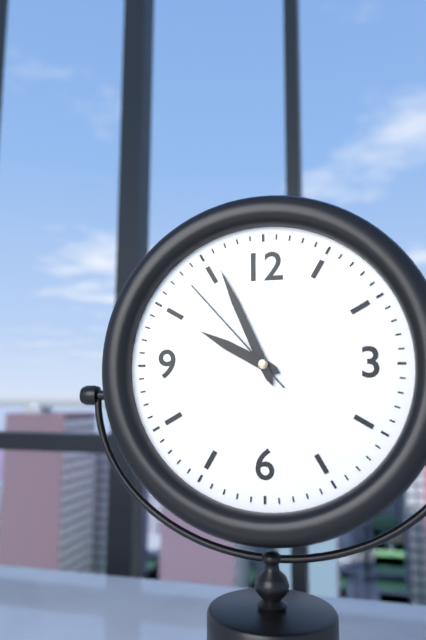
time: 9.56.53
